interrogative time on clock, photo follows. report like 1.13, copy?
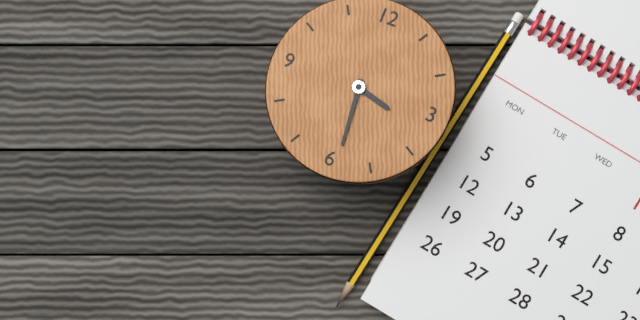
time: 3.29
